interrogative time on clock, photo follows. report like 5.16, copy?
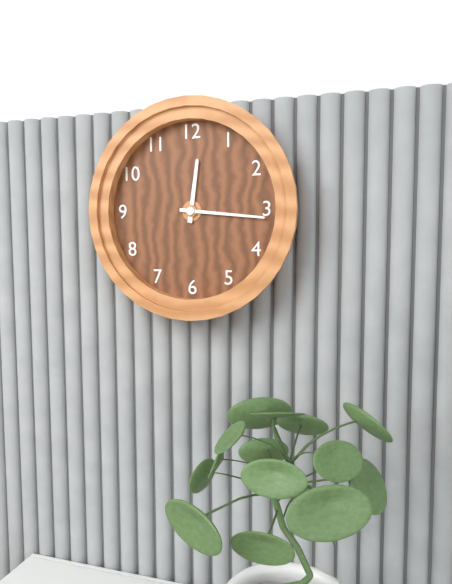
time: 12.16
